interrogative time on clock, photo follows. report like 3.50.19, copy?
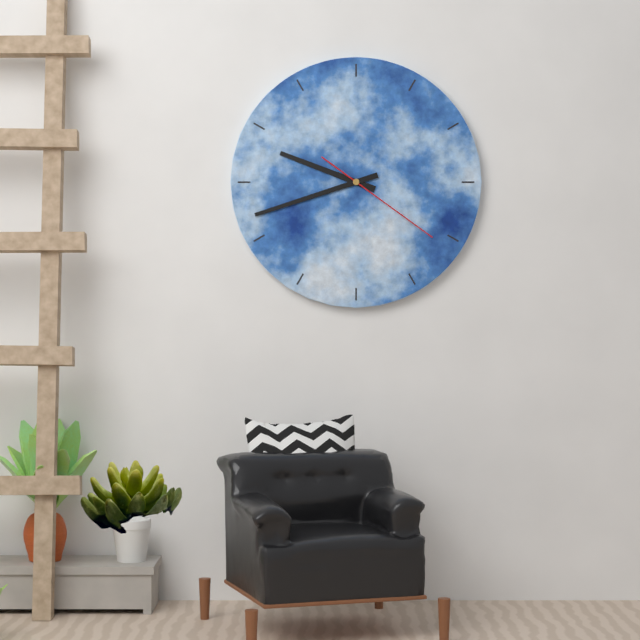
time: 9.42.21
